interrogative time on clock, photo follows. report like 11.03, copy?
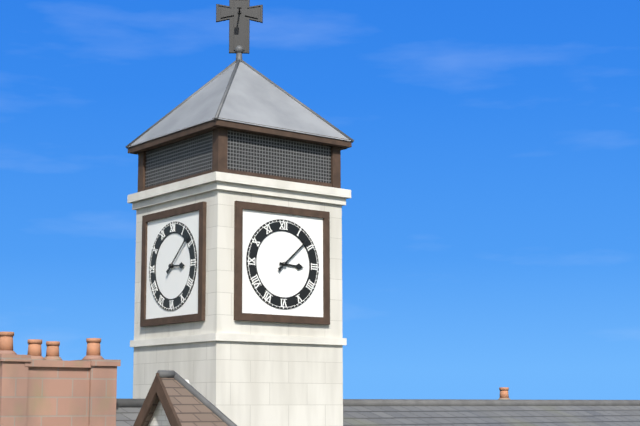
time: 3.08
